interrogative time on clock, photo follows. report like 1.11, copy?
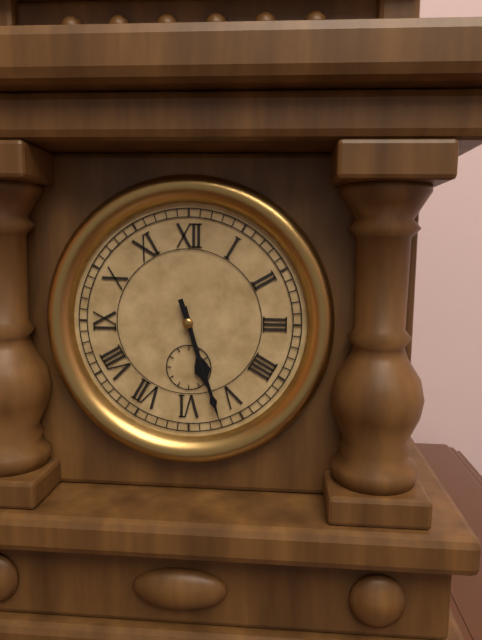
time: 5.27
